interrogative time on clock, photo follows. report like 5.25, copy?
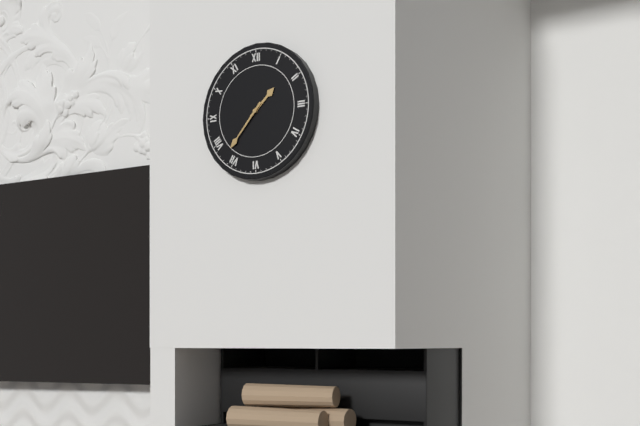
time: 1.37
